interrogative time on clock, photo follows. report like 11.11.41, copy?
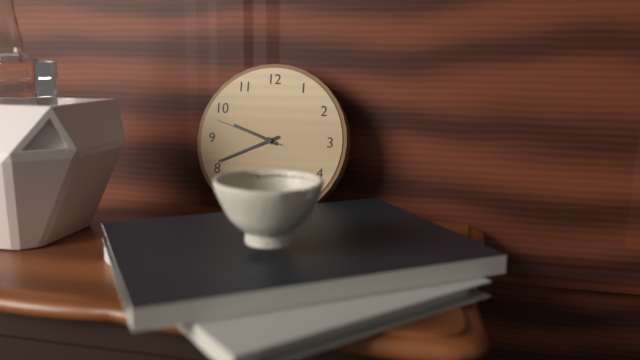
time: 9.41.48
